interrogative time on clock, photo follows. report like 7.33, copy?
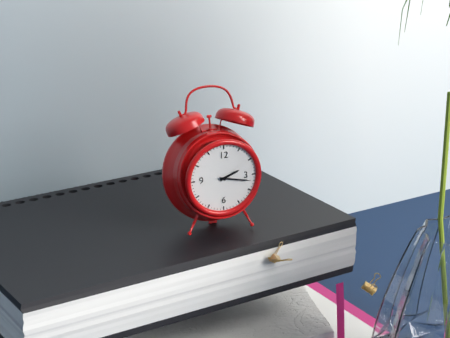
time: 2.17
